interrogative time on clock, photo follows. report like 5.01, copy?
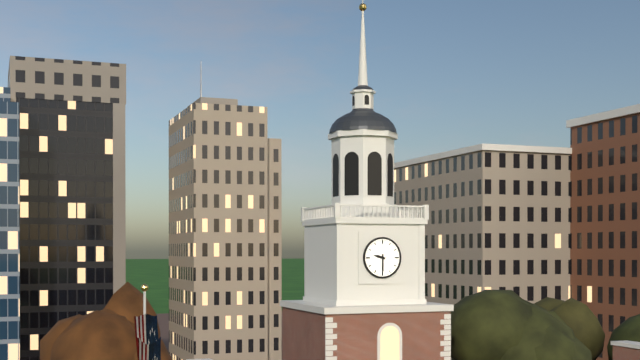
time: 9.30
